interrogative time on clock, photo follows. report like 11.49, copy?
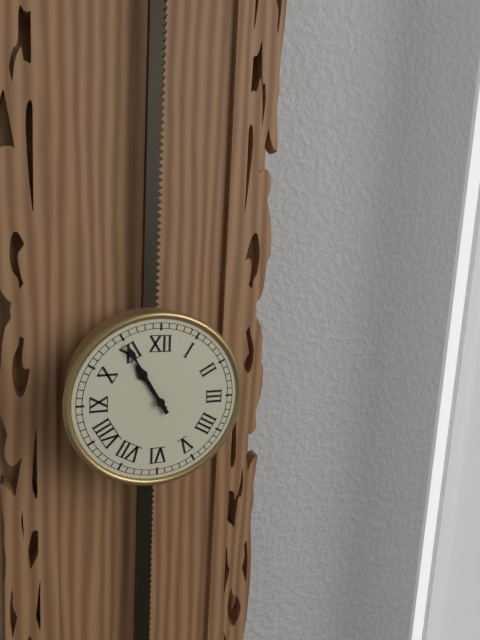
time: 10.55
